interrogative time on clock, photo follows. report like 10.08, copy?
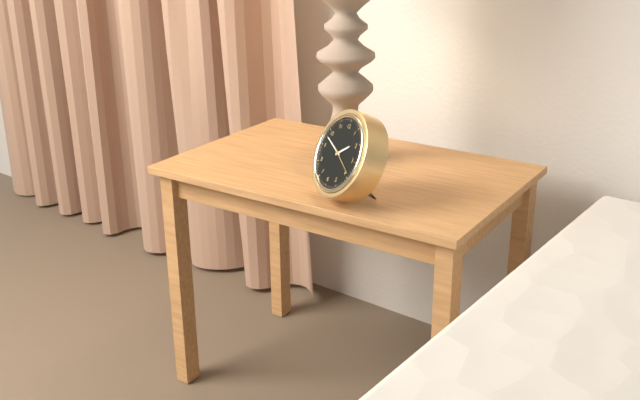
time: 1.48
